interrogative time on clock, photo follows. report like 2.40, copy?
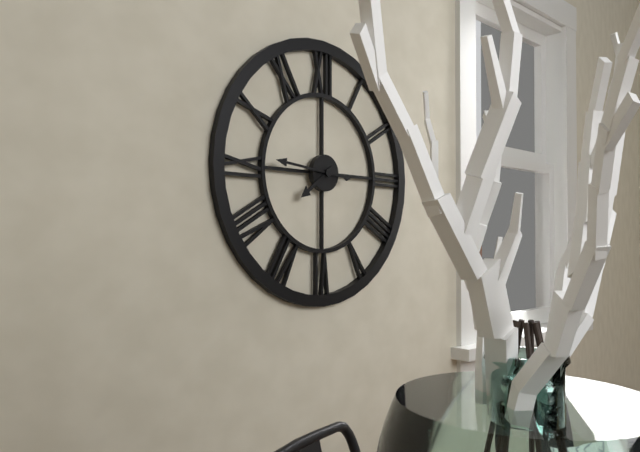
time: 7.46
